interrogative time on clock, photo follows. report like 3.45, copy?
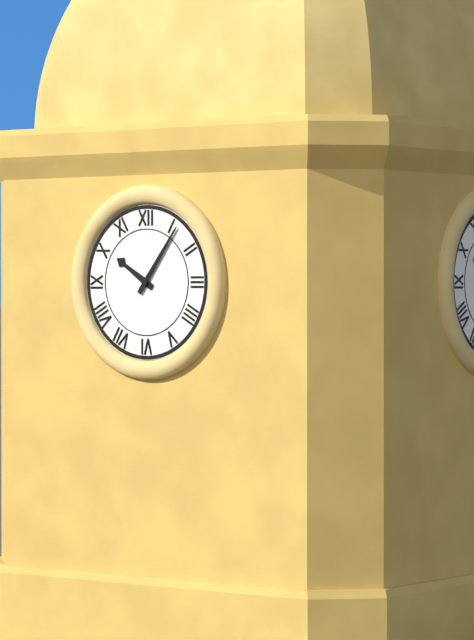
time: 10.06
